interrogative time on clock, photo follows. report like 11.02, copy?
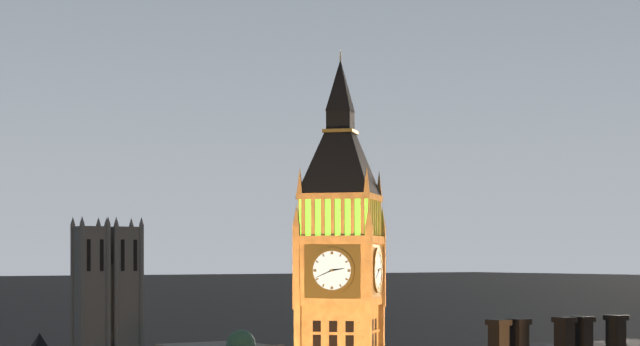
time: 2.41
